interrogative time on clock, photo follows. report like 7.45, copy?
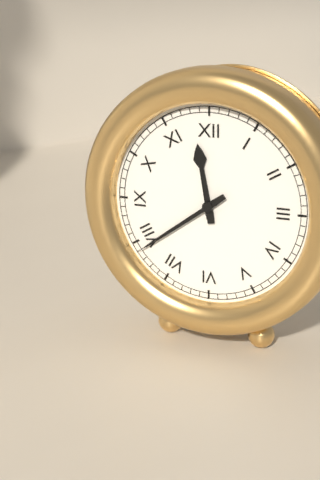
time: 11.39
